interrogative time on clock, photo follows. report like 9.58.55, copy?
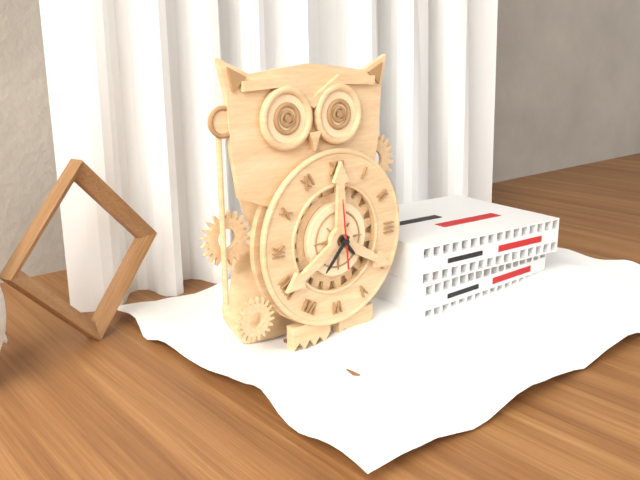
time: 4.37.59
